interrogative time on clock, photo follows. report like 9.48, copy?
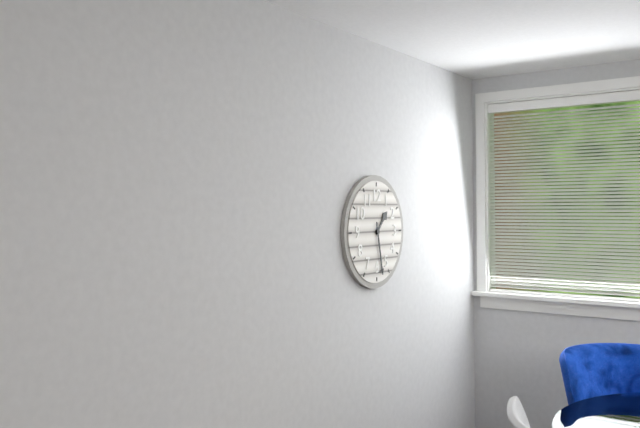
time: 1.28
